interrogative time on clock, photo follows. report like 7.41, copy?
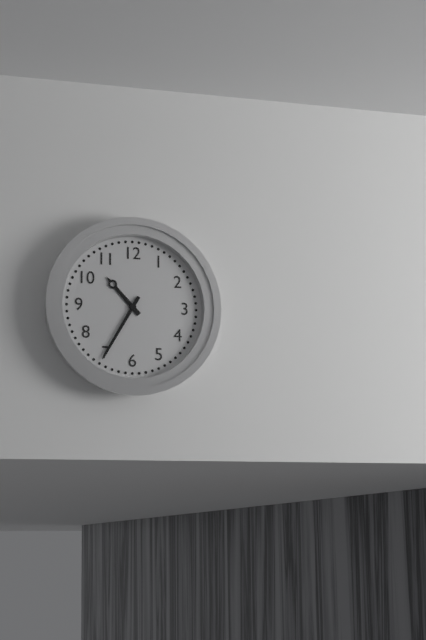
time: 10.35
